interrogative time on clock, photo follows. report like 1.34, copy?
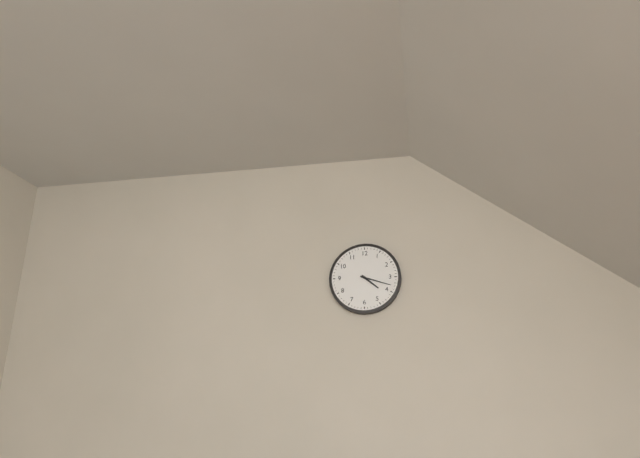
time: 4.18
